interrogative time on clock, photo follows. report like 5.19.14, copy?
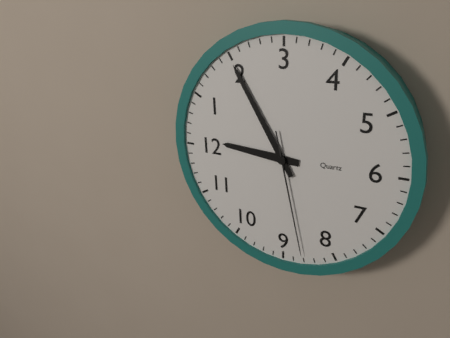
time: 12.10.43
